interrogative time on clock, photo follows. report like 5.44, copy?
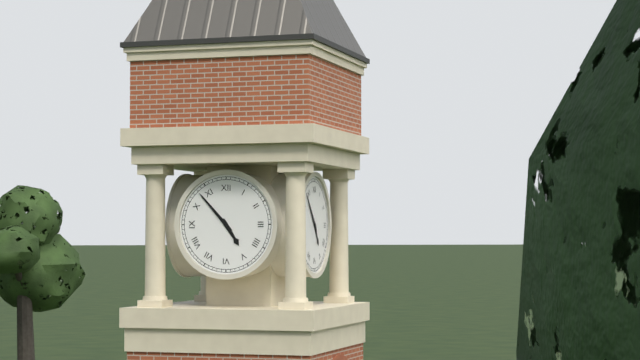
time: 4.53
